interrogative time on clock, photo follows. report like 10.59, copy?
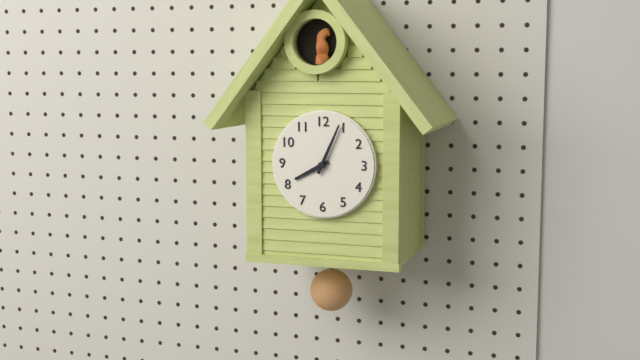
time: 8.04
